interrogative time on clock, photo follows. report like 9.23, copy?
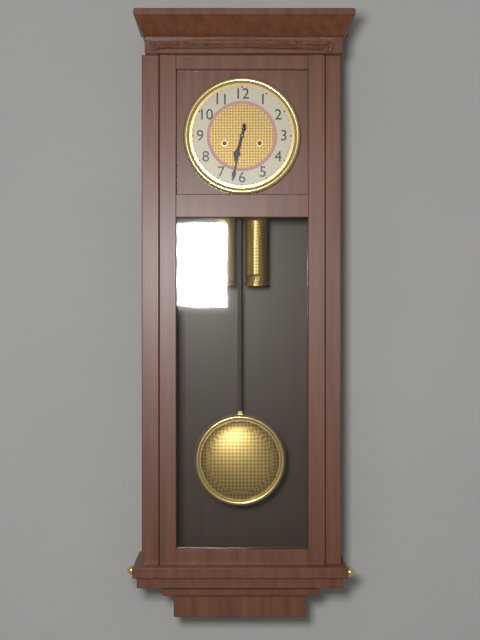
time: 6.32
